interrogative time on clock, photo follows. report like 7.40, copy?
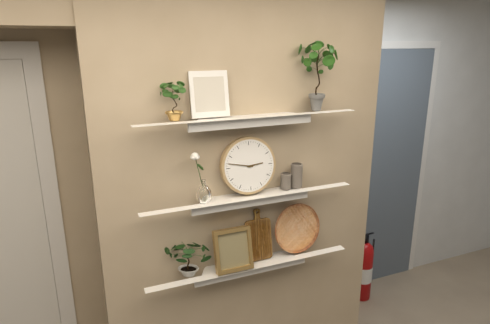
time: 2.47
